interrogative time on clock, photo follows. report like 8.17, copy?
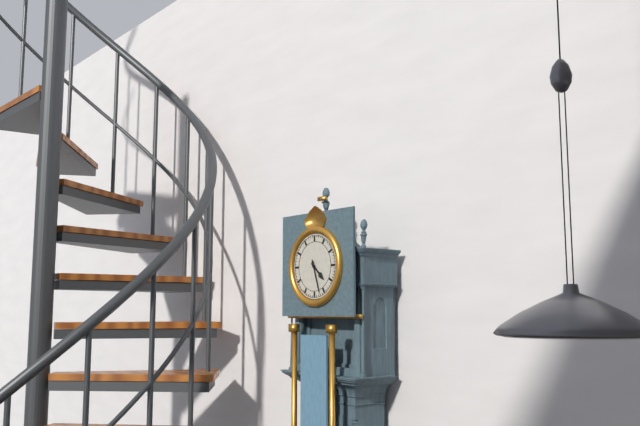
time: 4.27
